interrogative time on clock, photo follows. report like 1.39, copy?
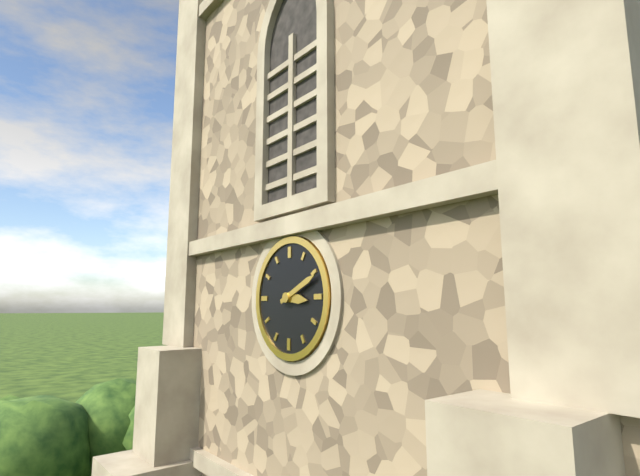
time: 3.11
